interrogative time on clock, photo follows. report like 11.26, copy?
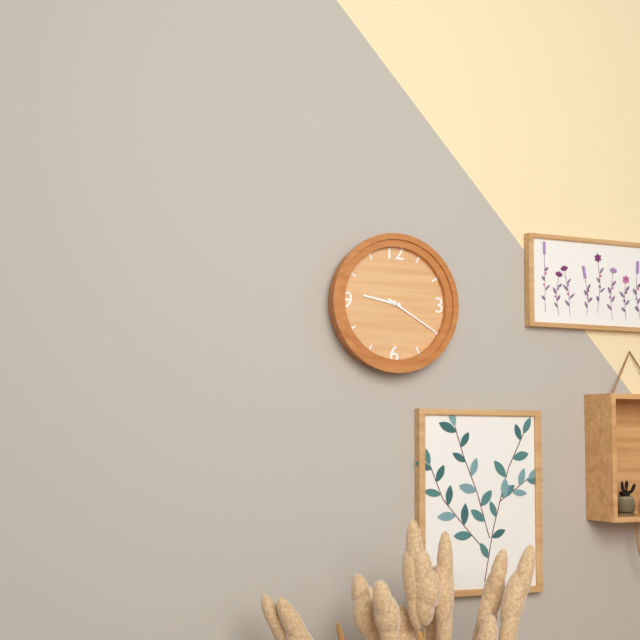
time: 9.20
